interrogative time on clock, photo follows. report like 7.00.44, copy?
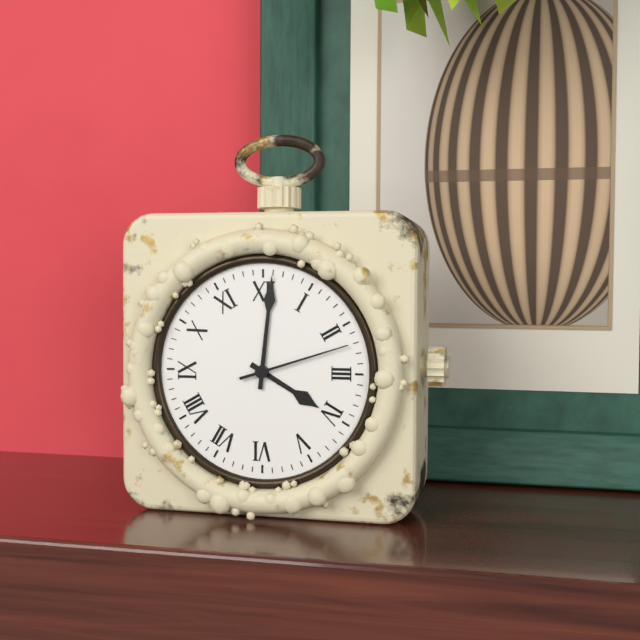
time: 4.01.12
